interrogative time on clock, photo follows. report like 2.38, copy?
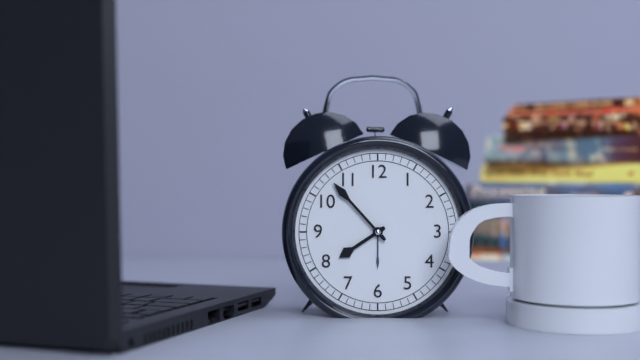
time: 7.53
